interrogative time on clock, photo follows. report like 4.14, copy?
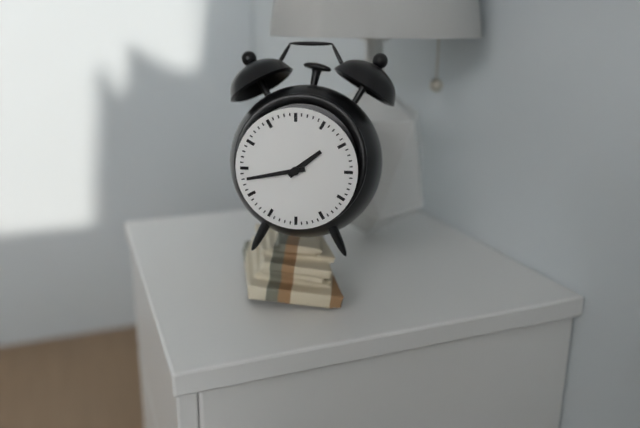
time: 1.43
